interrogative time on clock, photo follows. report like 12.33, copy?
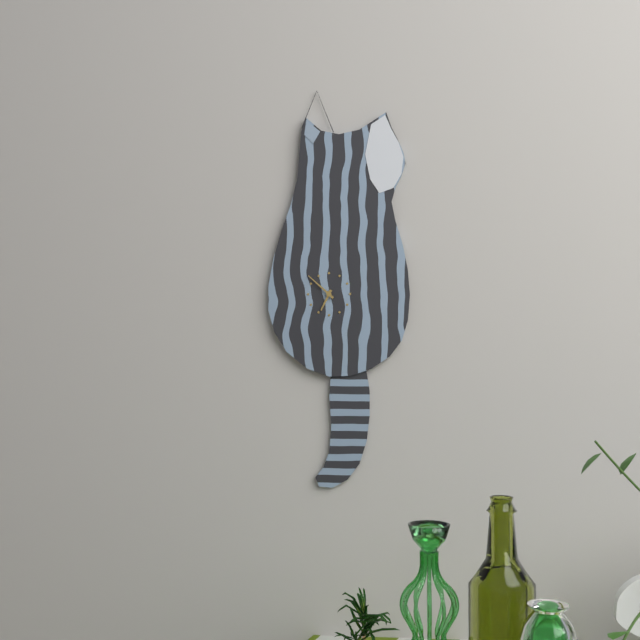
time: 6.52
